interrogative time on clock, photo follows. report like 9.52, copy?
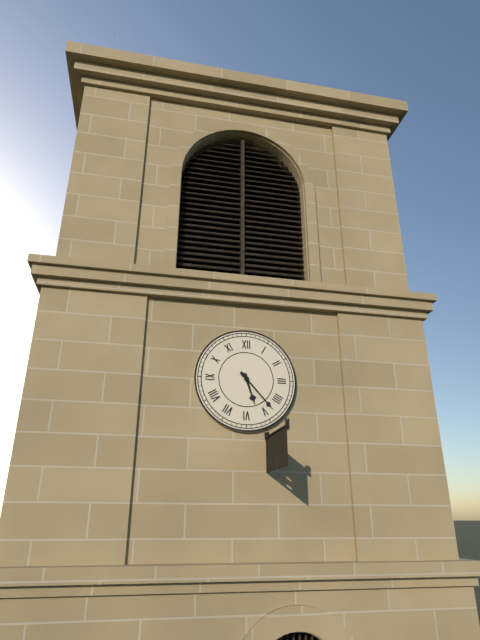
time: 5.23
